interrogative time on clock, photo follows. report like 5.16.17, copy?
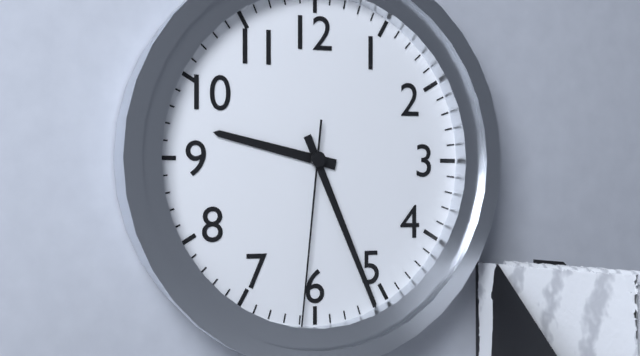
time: 9.26.31
